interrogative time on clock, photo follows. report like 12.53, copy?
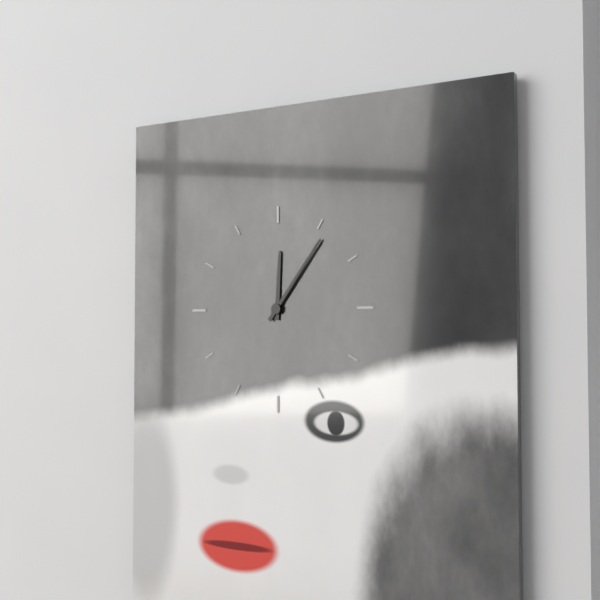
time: 12.06
